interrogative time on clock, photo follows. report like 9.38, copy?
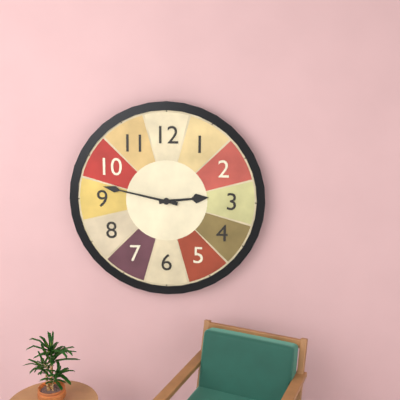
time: 2.47
